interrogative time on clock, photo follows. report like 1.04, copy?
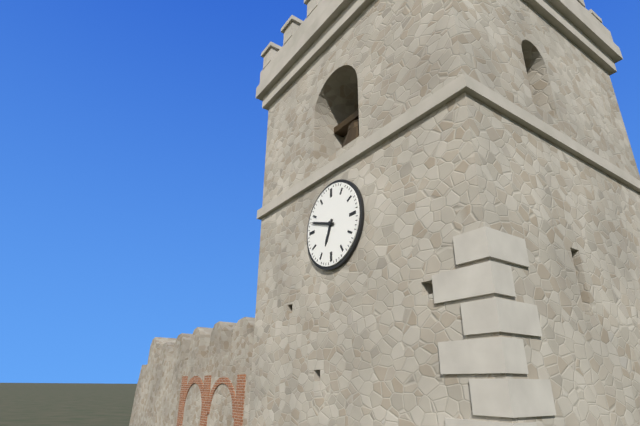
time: 6.48
